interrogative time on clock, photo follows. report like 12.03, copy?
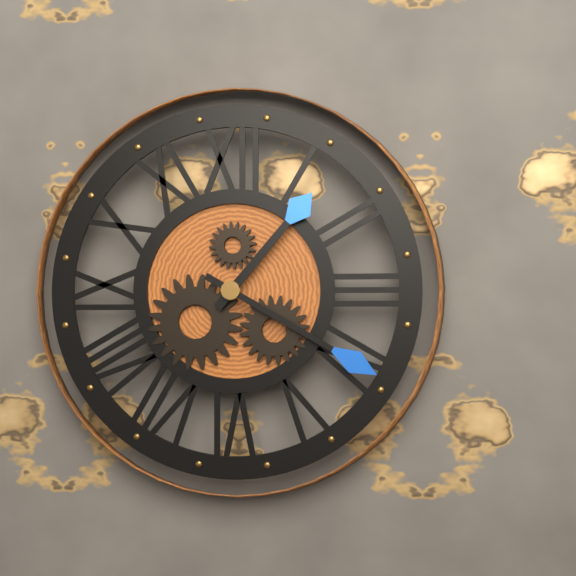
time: 1.20
